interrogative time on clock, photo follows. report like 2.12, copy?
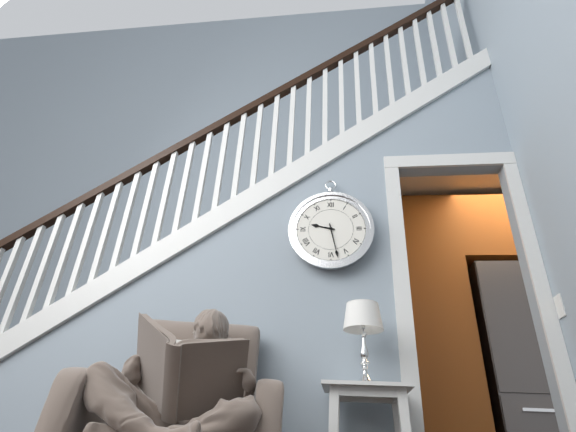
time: 9.28
